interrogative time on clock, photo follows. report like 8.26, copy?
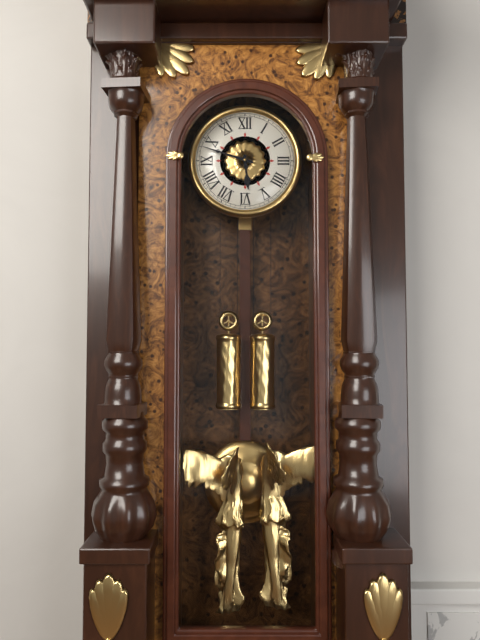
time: 5.48
